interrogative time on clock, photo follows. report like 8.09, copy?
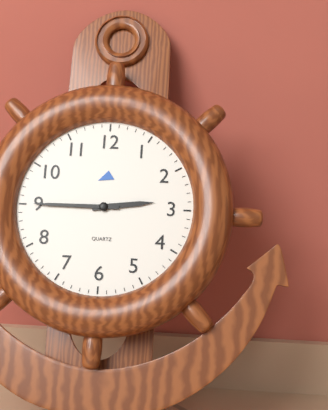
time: 2.45
